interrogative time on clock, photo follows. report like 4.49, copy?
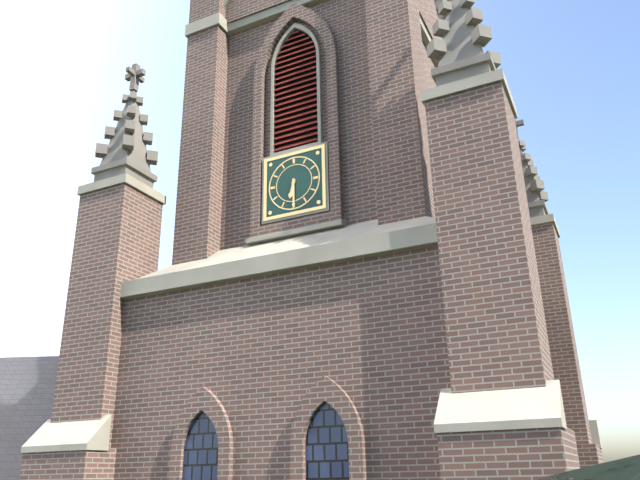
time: 6.30
